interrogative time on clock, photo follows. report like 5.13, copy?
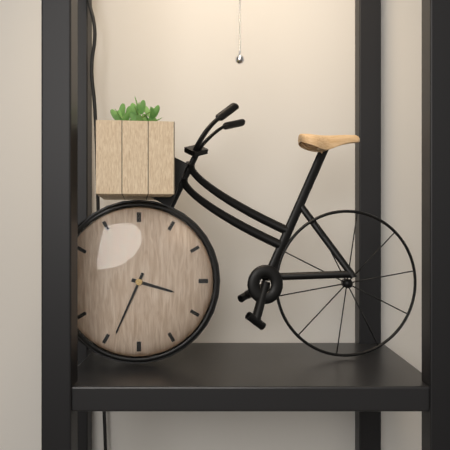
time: 3.34
